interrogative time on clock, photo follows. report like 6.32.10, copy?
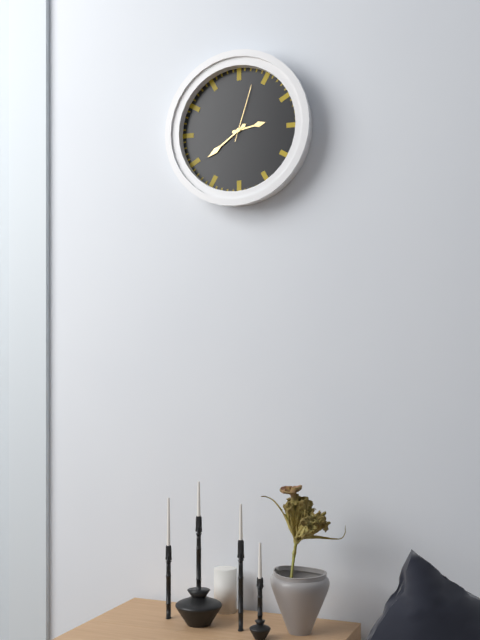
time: 2.39.03
